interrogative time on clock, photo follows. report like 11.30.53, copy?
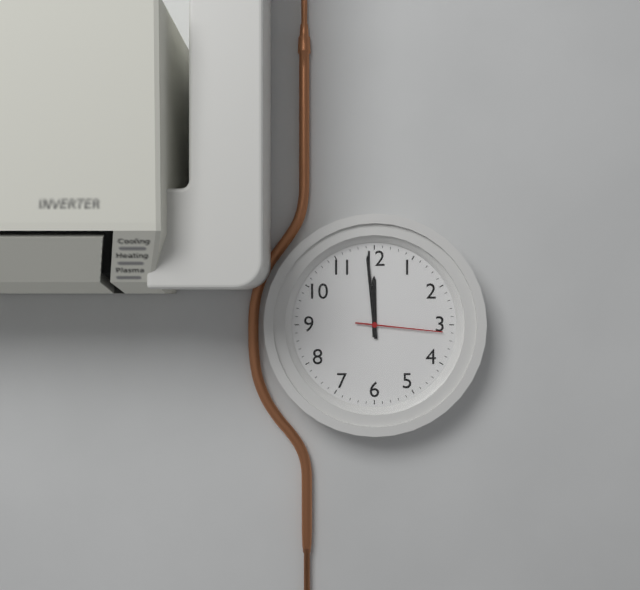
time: 11.59.16
